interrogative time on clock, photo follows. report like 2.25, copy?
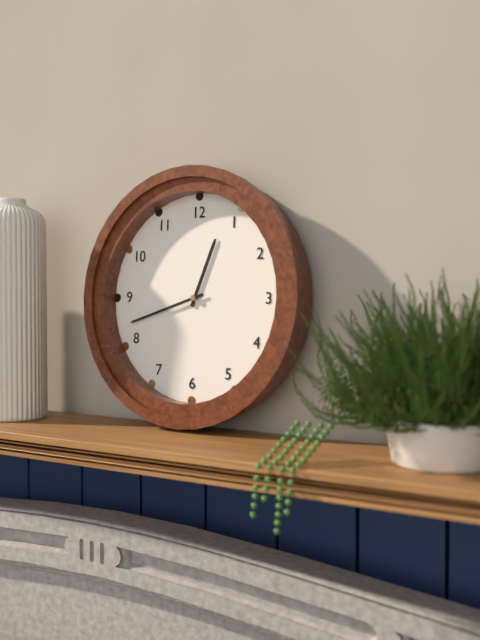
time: 12.42
